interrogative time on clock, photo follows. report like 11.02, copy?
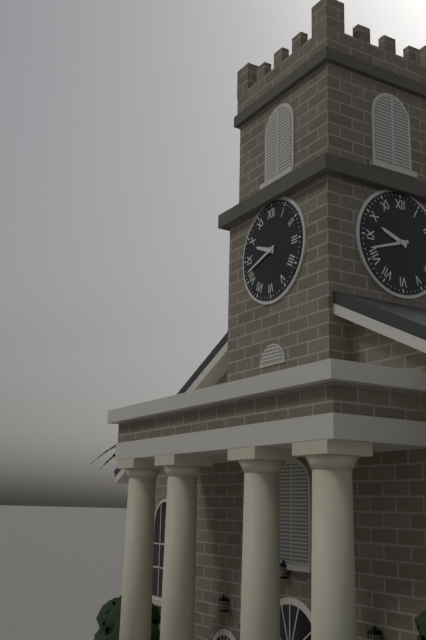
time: 9.42
